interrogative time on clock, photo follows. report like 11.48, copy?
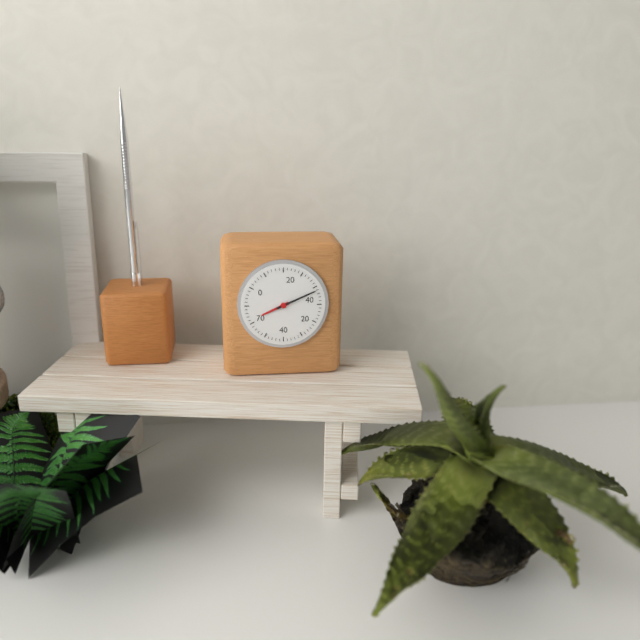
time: 8.11
